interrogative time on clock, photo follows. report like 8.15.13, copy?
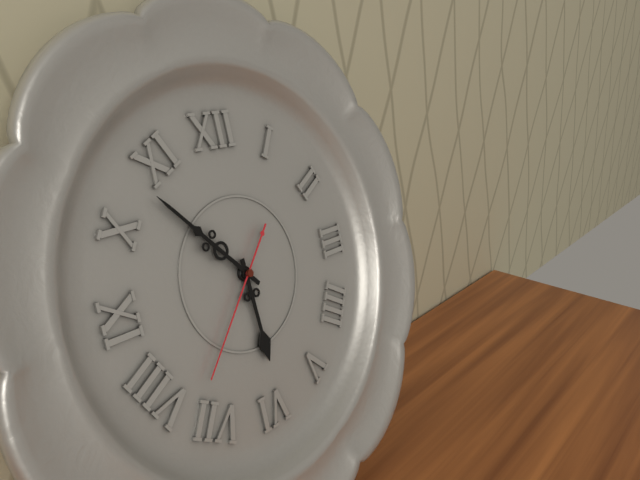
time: 5.53.37
